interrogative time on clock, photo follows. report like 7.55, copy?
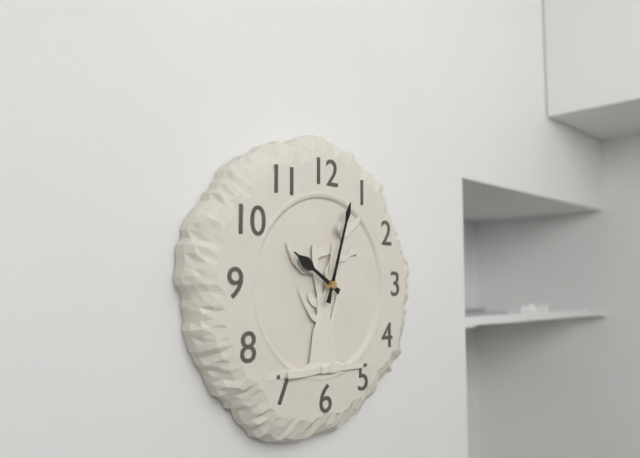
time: 10.03
